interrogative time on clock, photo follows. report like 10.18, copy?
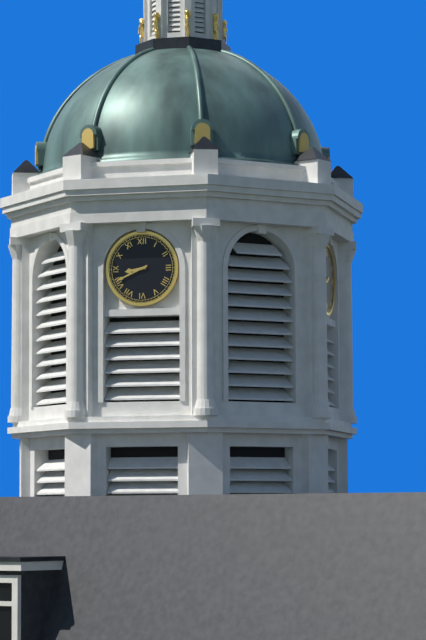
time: 8.41
